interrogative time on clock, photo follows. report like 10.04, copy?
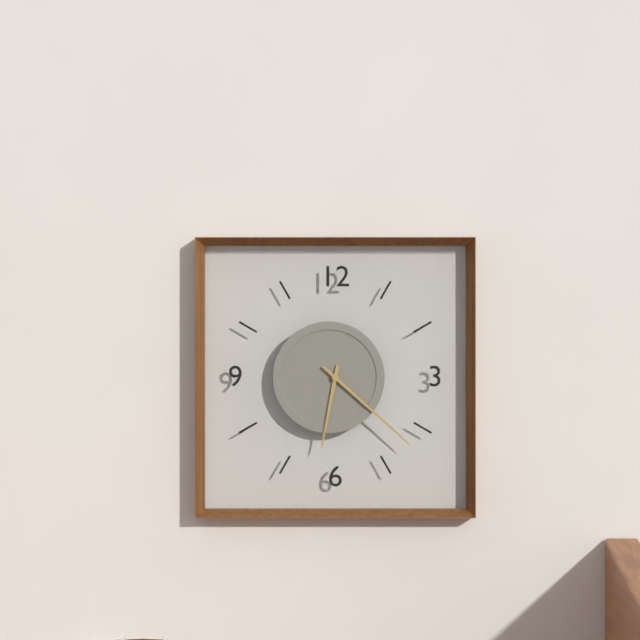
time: 6.22
